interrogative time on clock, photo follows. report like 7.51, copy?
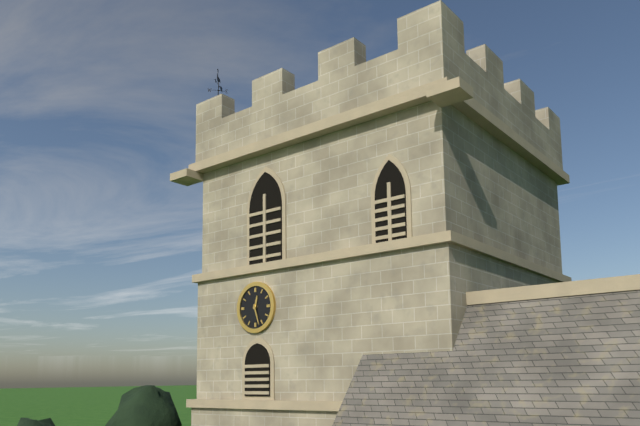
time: 12.27
